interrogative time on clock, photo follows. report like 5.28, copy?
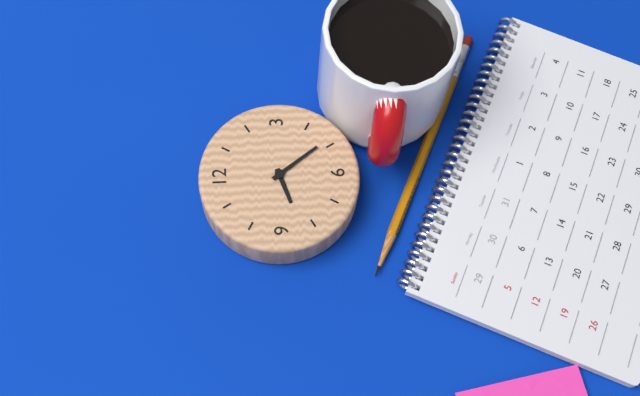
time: 8.24
